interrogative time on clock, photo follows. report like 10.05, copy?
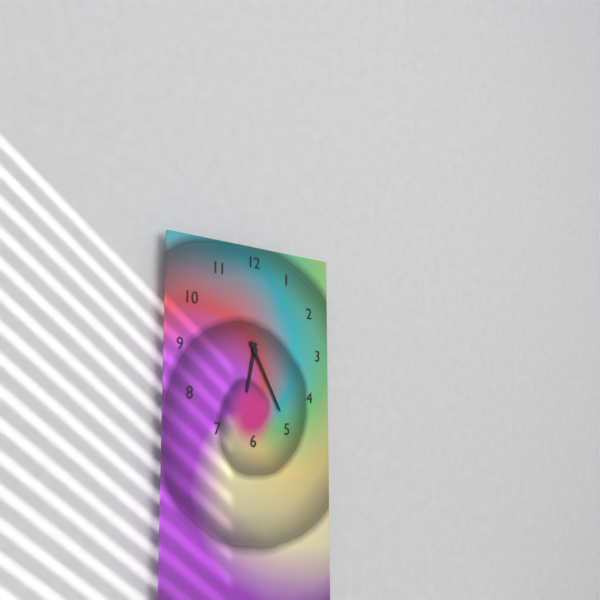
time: 6.25
